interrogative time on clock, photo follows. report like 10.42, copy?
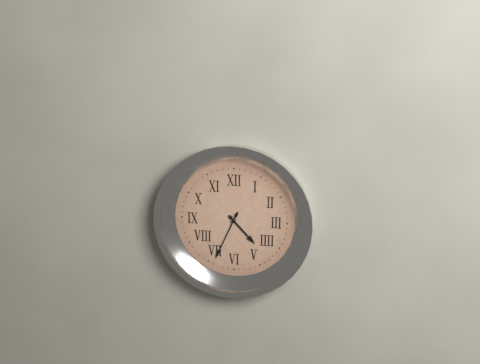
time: 4.34
